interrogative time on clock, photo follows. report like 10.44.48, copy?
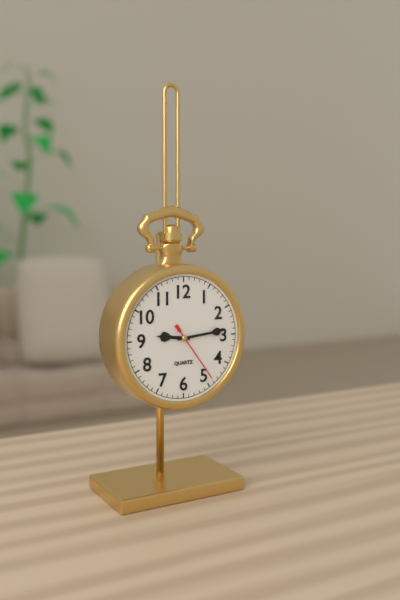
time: 9.14.24
